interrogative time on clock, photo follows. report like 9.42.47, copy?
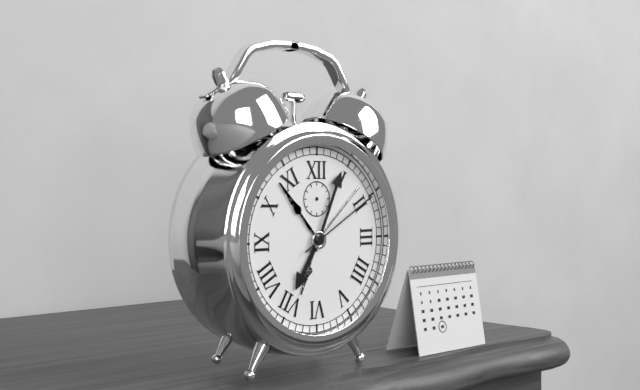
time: 7.04.10
